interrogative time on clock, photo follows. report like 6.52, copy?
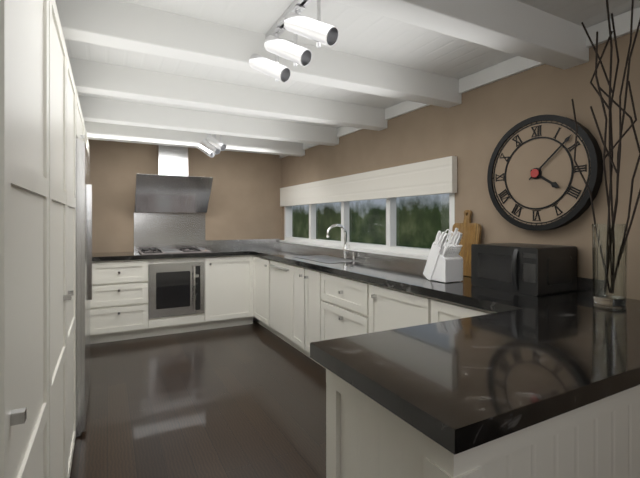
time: 4.08
